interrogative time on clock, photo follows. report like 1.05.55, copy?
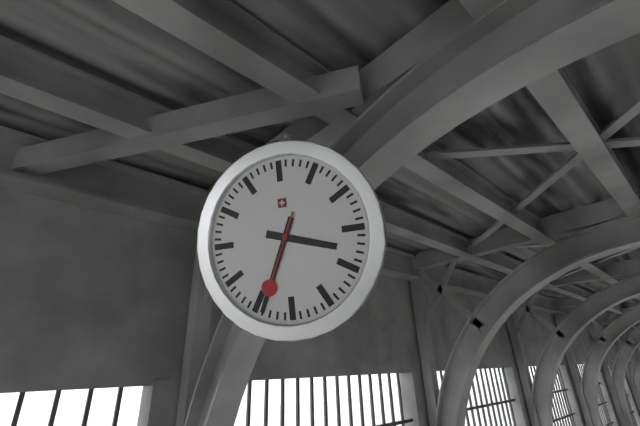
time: 3.34.34
